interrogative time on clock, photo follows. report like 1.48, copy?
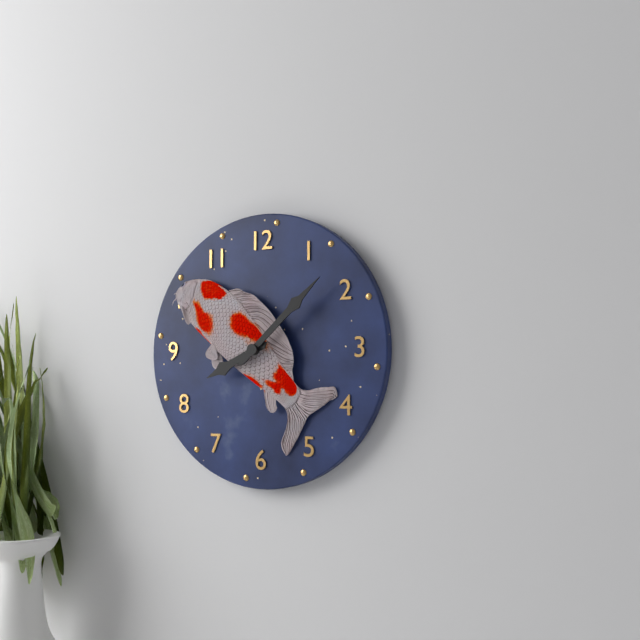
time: 8.08
